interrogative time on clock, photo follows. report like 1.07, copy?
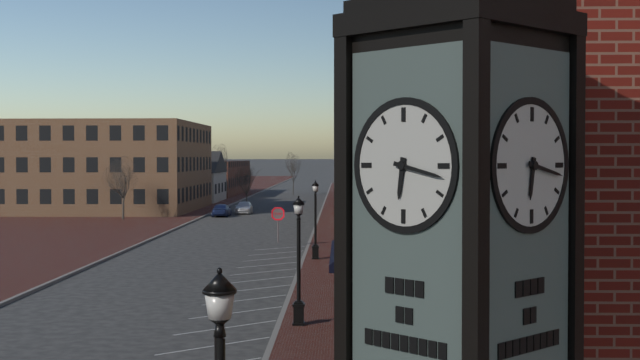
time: 6.17
